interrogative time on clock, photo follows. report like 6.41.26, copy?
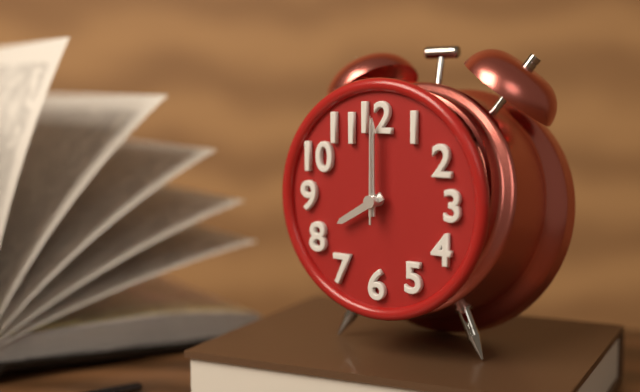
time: 8.00.00
